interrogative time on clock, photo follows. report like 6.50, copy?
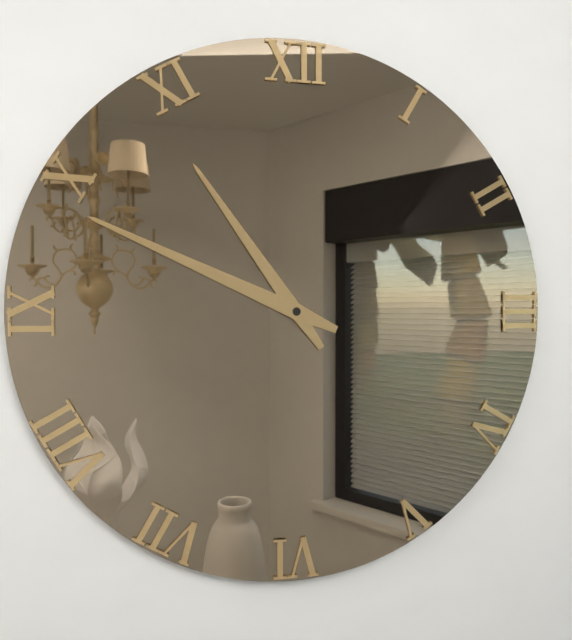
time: 10.49
